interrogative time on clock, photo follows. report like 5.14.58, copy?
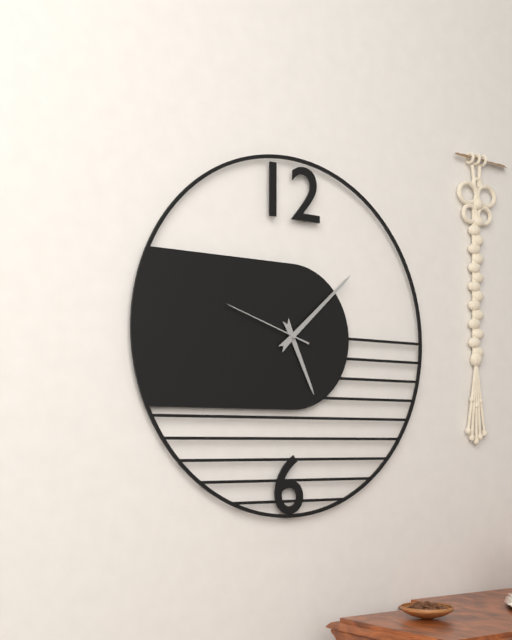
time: 5.08.48
